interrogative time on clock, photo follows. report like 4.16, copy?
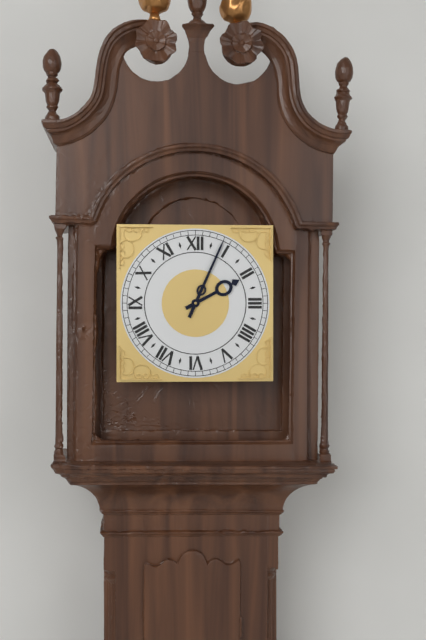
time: 2.04
